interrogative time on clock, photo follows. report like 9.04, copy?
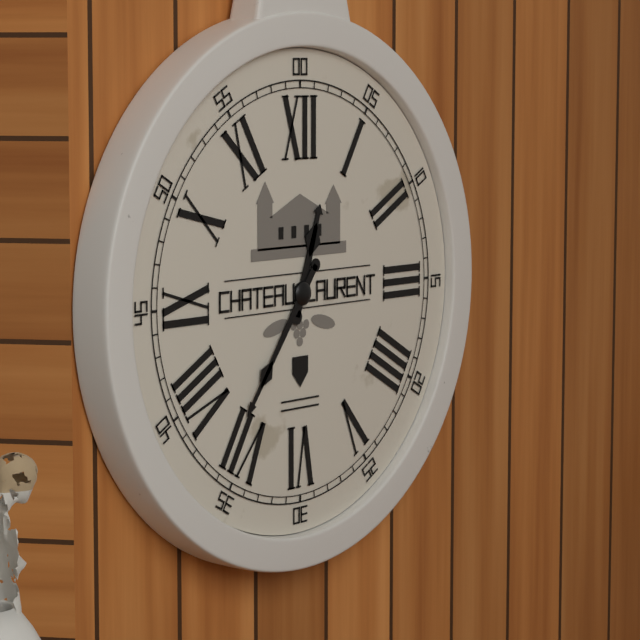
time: 12.36
